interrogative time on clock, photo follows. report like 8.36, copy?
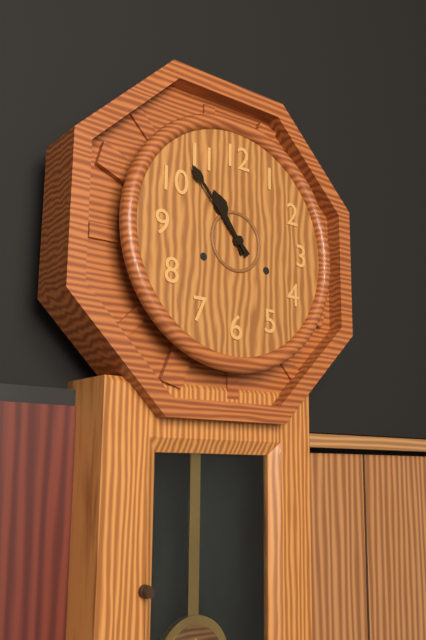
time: 10.53
